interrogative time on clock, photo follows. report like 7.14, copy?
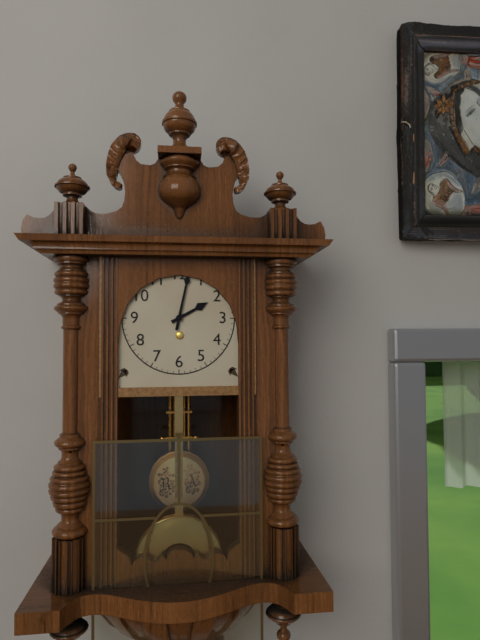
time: 2.02
